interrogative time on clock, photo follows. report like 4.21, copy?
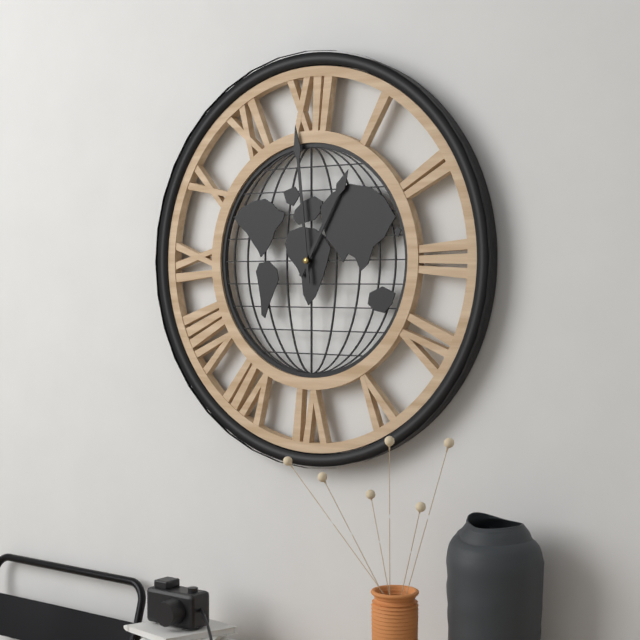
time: 12.59
